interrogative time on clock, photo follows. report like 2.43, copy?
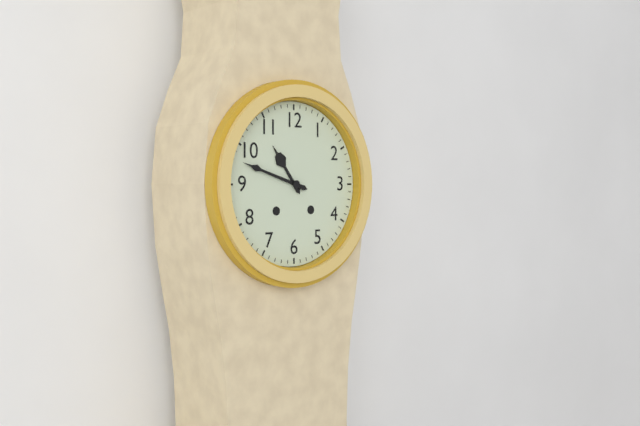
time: 10.48
